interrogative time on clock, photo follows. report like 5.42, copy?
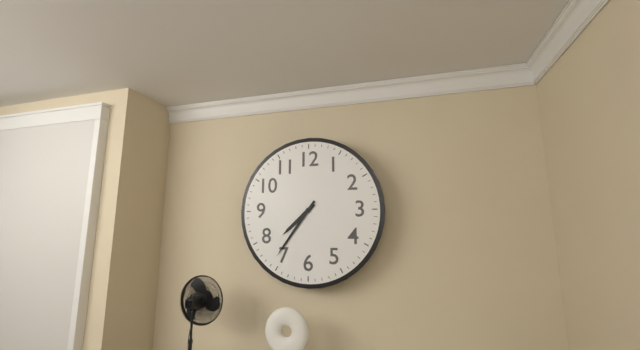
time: 7.36
